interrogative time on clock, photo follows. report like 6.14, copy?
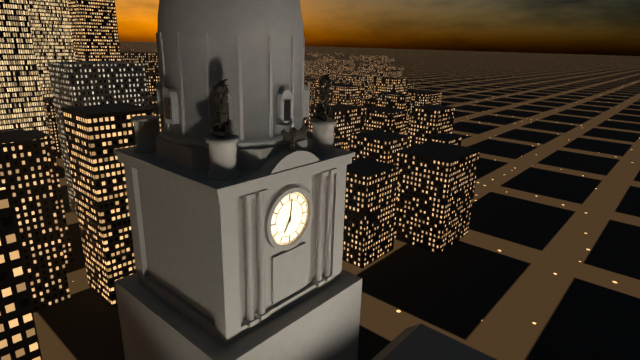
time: 7.01
